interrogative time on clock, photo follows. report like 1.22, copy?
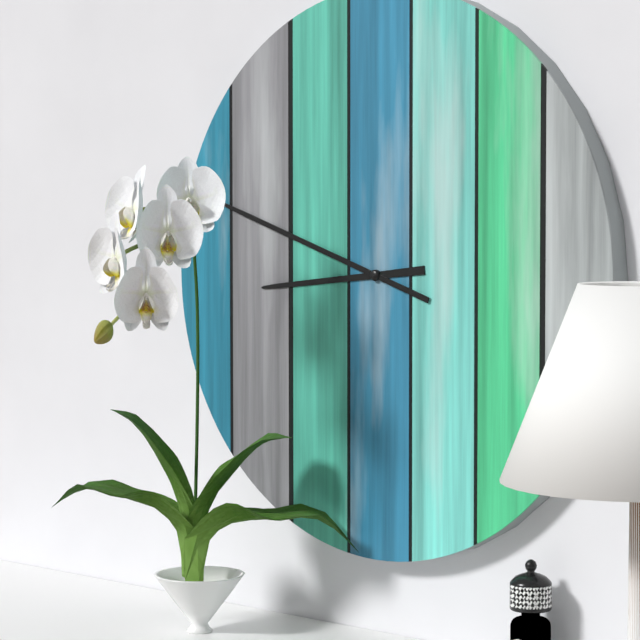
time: 8.48
